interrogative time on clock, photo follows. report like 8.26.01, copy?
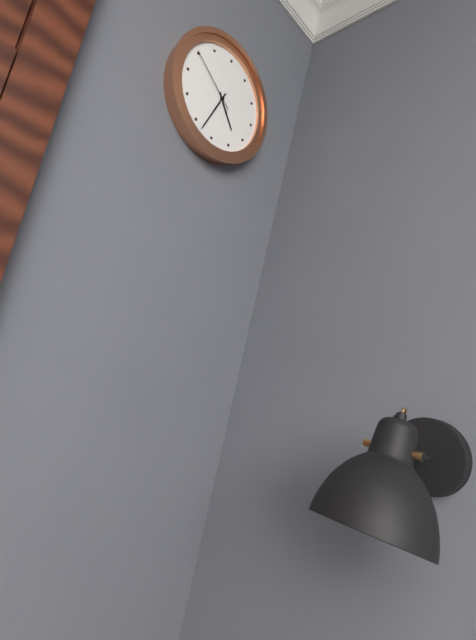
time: 4.33.50
